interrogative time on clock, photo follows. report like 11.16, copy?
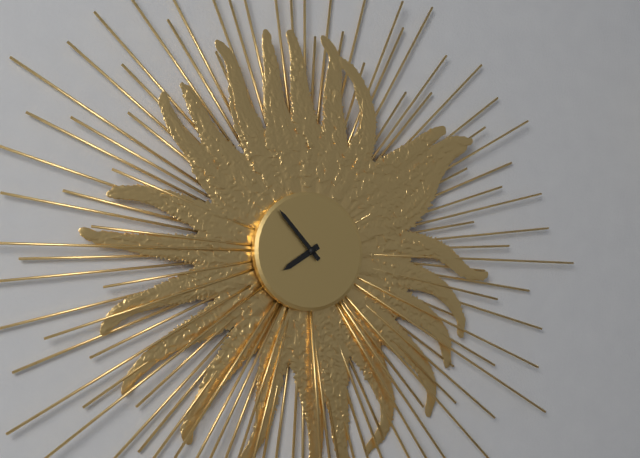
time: 7.53
